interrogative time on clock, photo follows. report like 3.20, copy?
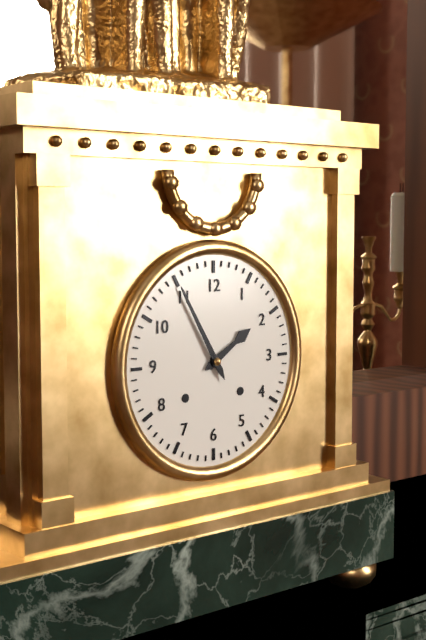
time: 1.55
